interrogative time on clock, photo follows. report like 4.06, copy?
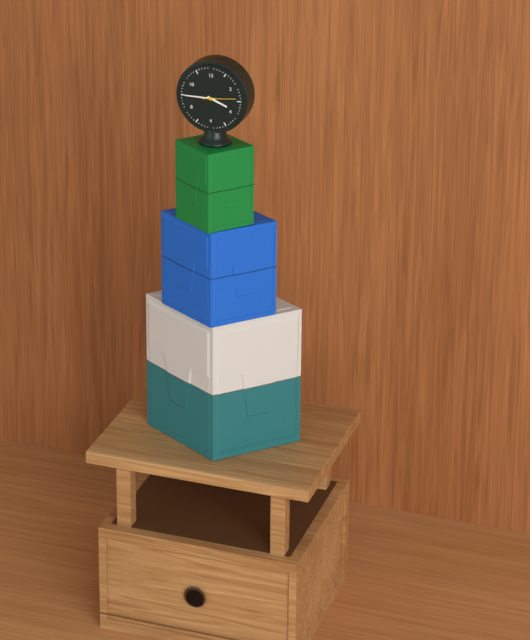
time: 3.45
